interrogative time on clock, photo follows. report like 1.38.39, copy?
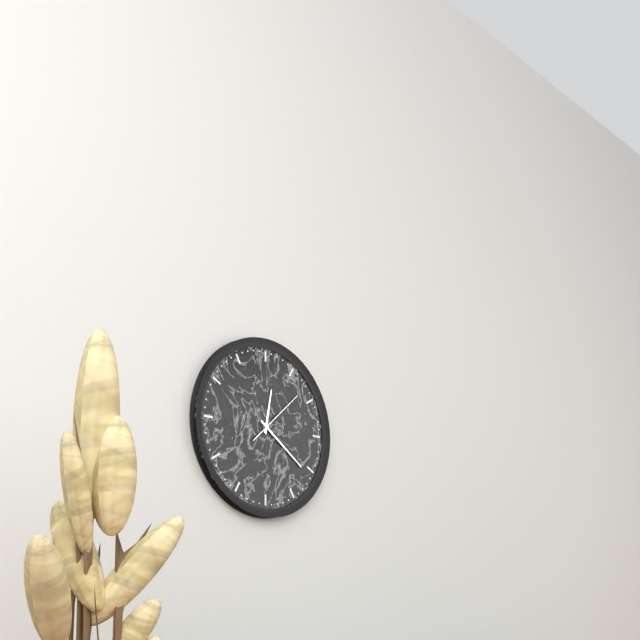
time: 12.21.08
